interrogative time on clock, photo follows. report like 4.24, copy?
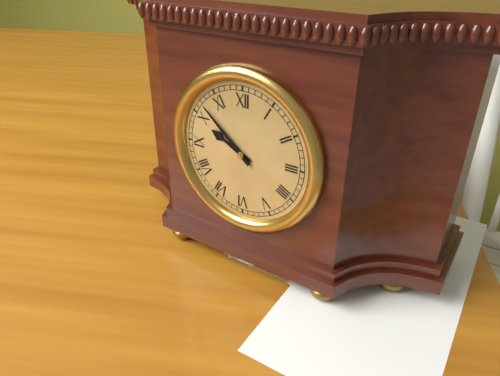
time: 9.52
